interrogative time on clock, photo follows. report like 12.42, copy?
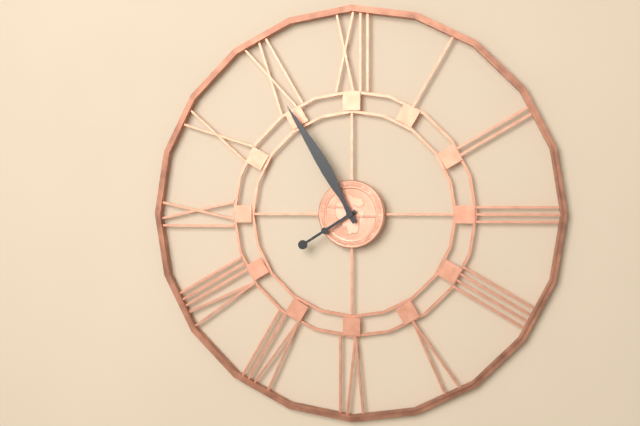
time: 7.55
